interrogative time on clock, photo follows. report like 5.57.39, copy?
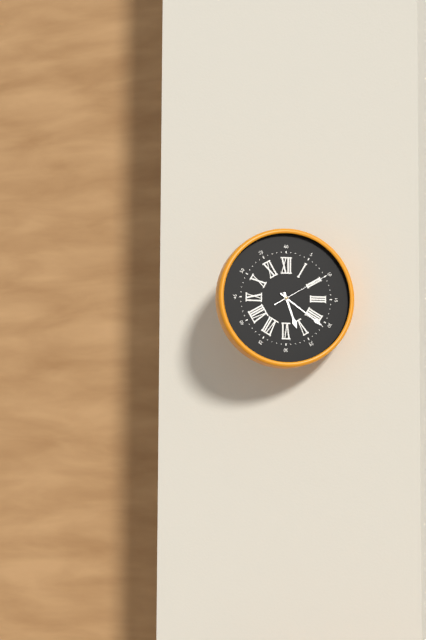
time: 5.21.10
